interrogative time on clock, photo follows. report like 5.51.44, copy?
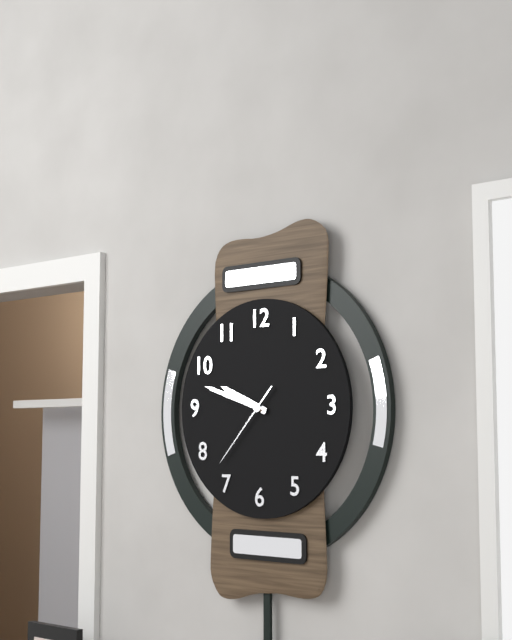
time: 9.48.37
